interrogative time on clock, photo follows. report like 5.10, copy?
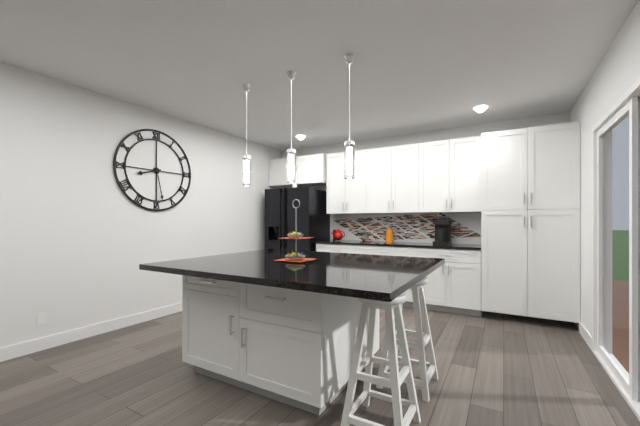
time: 8.28
